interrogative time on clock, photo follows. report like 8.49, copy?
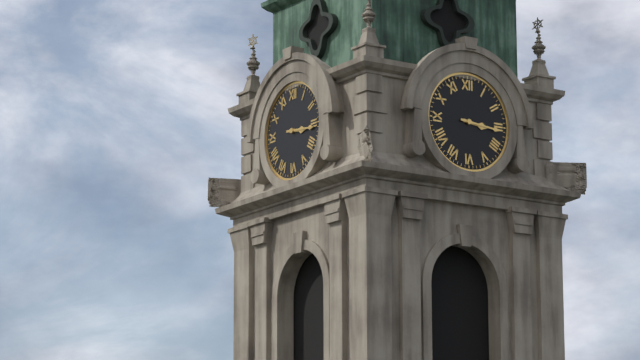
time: 3.16
